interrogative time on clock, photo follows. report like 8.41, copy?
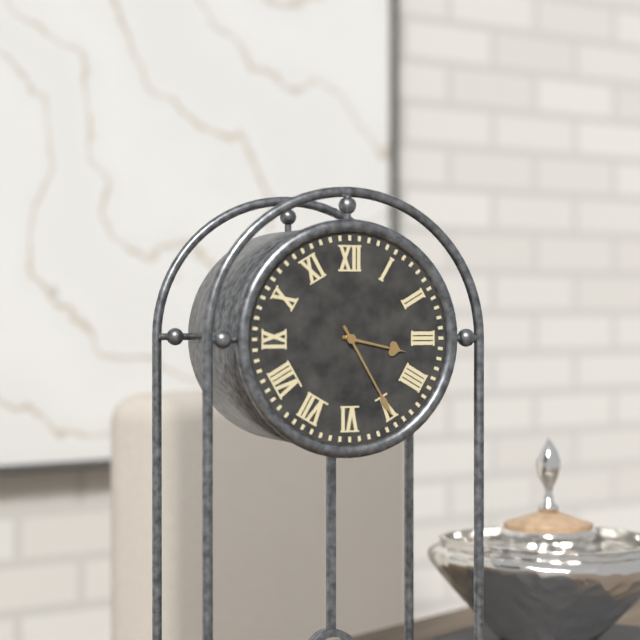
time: 3.25
